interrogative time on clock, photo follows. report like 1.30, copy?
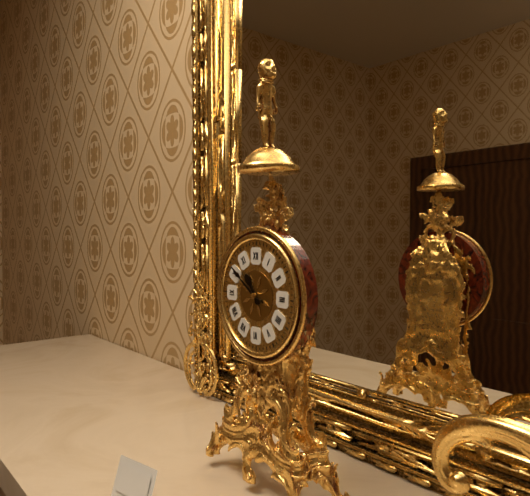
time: 10.51
